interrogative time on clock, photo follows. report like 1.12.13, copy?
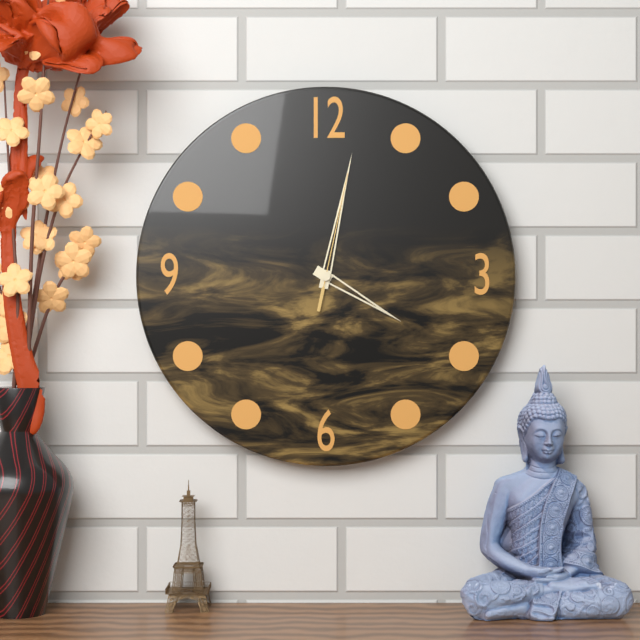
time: 4.02.02
